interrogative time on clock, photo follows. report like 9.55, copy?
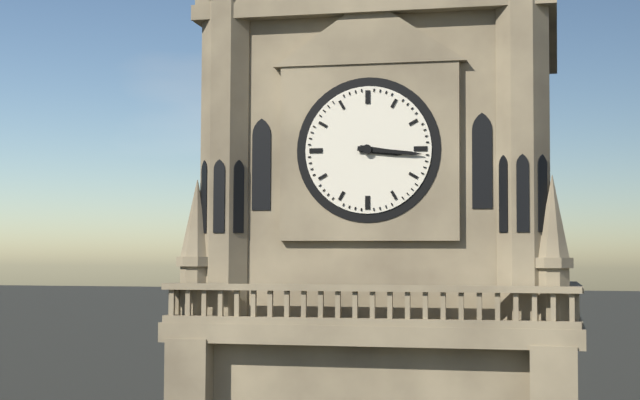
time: 3.16
